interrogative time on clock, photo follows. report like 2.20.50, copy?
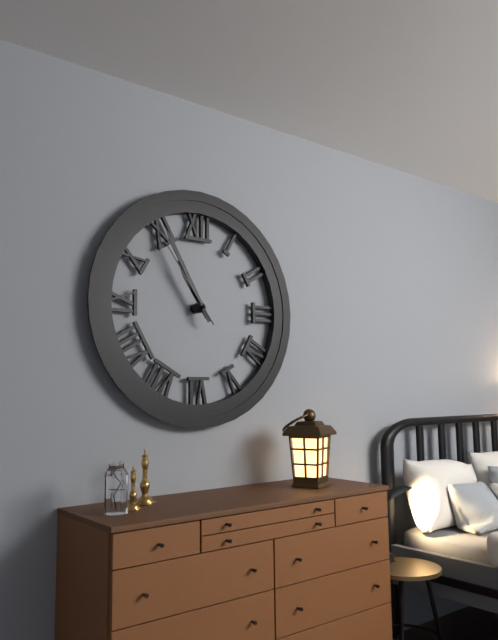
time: 10.55.54
